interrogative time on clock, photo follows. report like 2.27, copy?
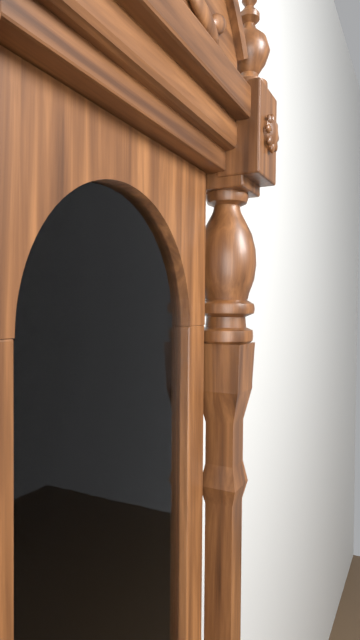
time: 5.40
